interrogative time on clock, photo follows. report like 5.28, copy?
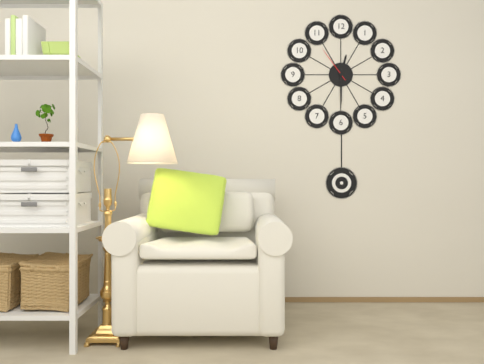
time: 12.30
